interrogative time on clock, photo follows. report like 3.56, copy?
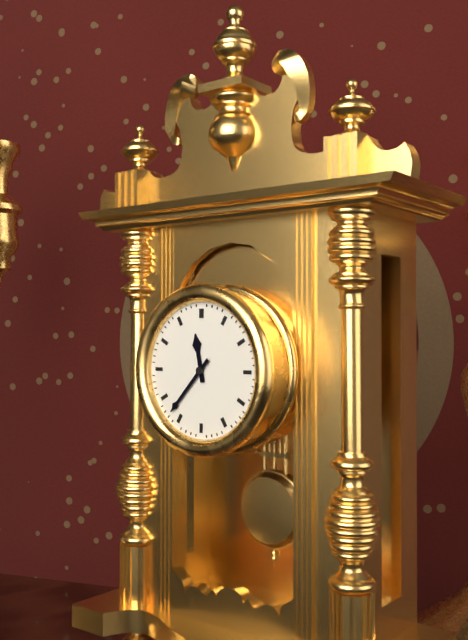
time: 11.37
